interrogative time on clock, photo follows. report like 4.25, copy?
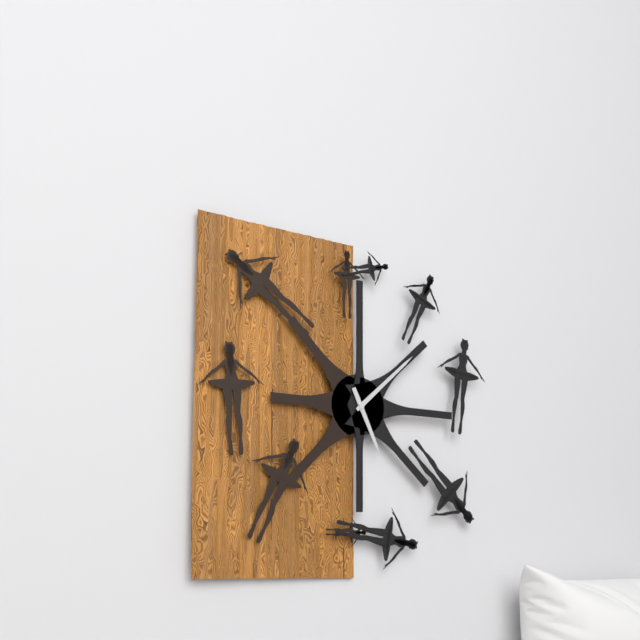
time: 5.08
